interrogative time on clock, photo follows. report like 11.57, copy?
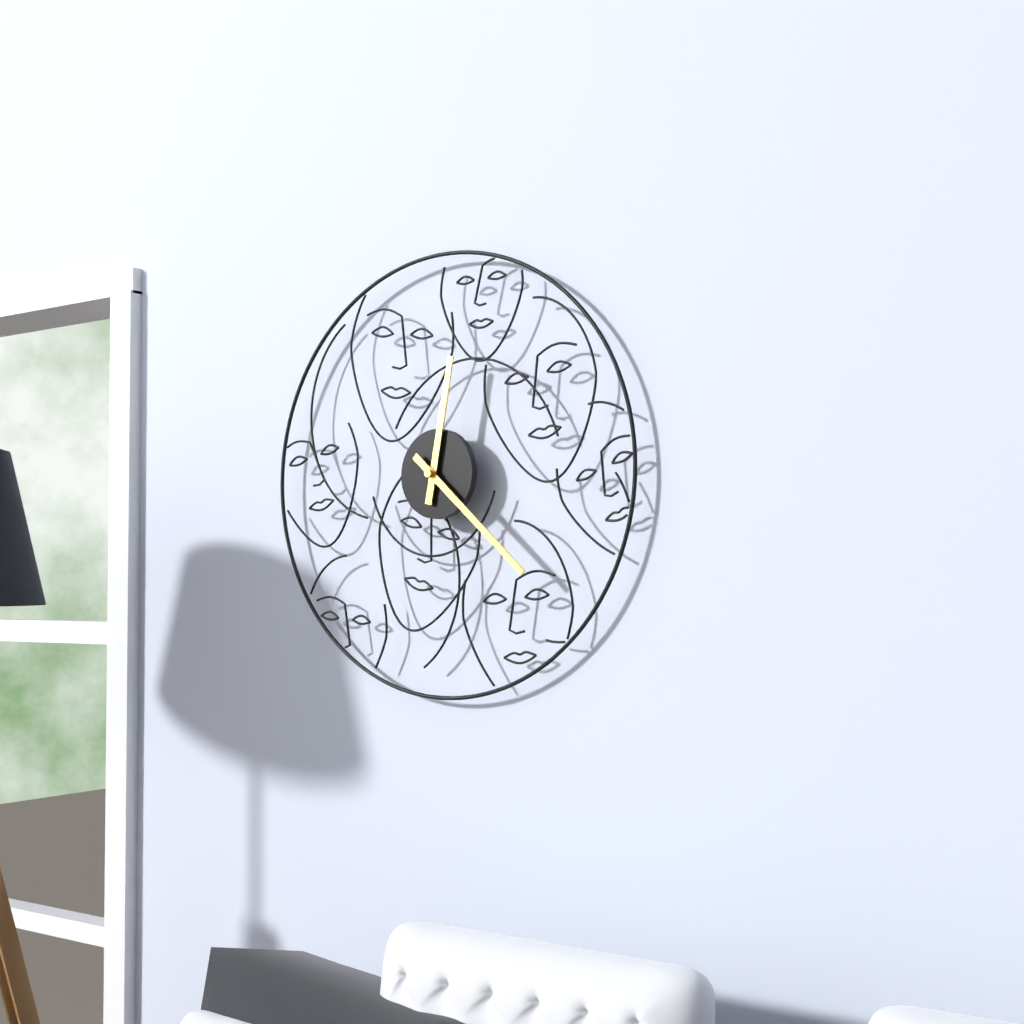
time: 12.22
